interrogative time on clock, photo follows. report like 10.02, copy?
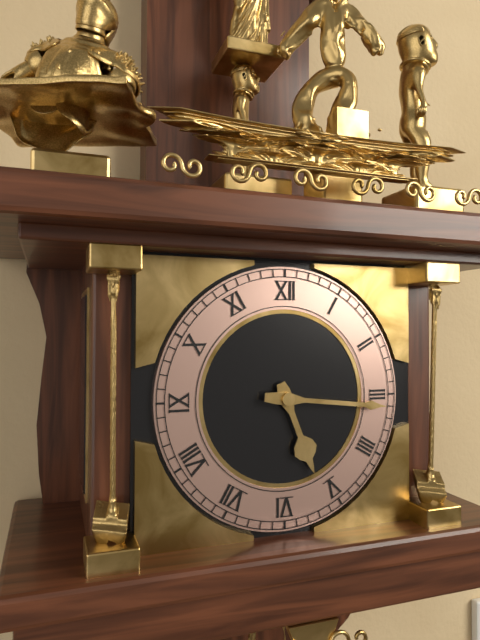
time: 5.16
